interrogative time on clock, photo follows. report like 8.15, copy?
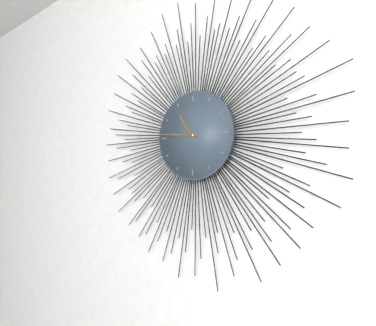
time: 10.46
